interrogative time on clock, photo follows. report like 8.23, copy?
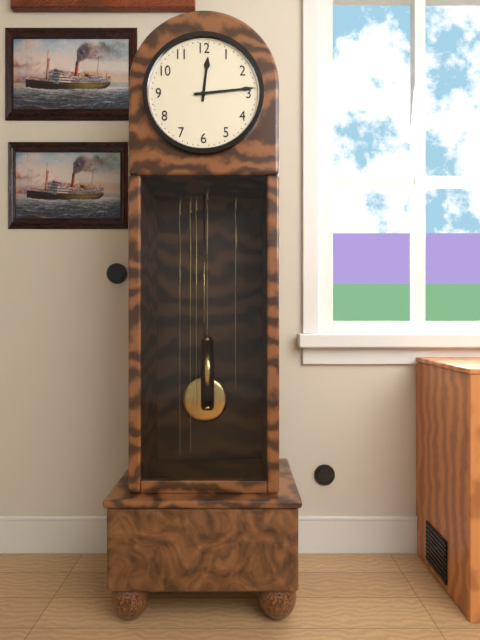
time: 12.14
